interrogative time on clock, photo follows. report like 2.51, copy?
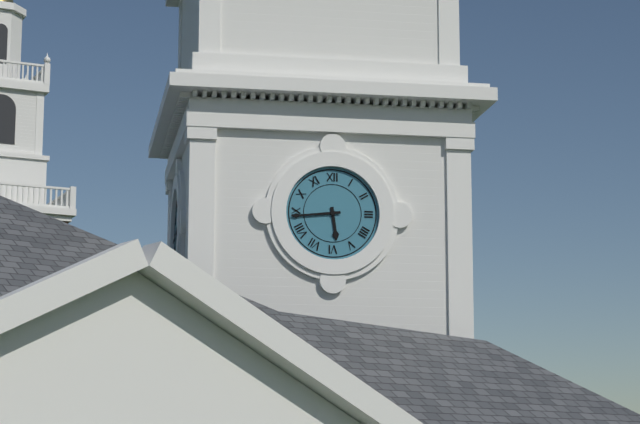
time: 5.44
